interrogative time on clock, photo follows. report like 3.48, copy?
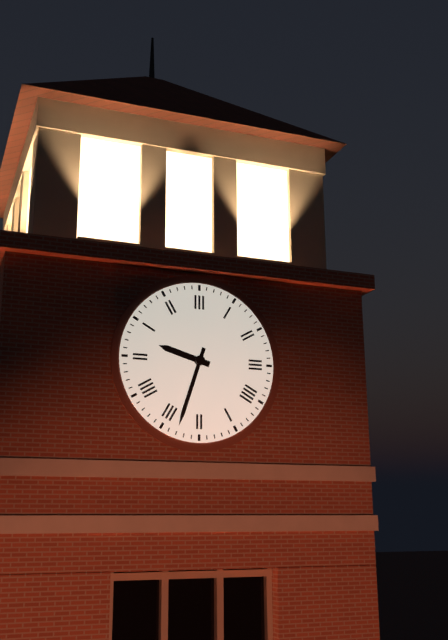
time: 9.33
